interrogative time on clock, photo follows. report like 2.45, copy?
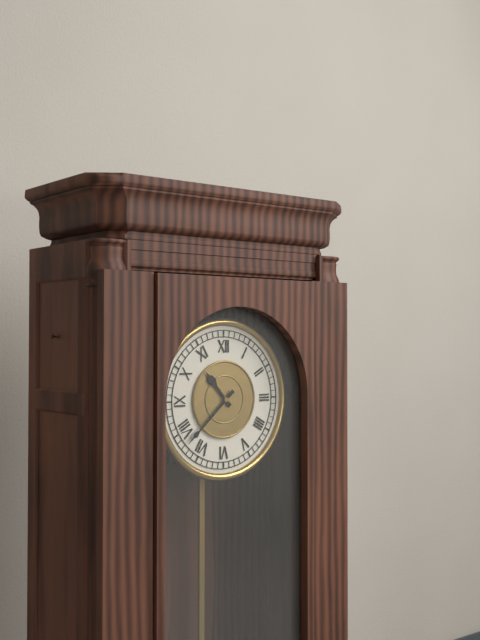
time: 10.38
